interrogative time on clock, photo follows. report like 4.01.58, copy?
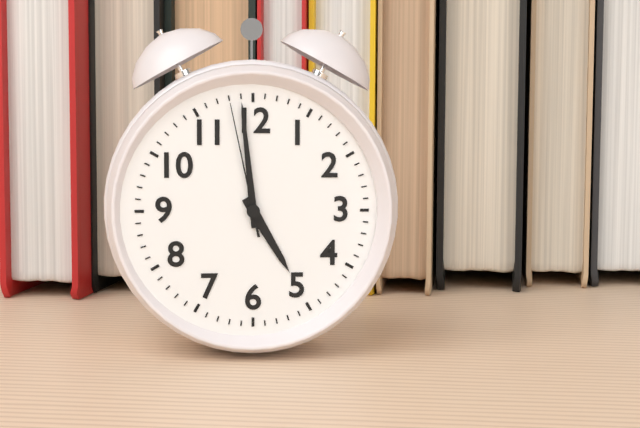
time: 4.59.58
